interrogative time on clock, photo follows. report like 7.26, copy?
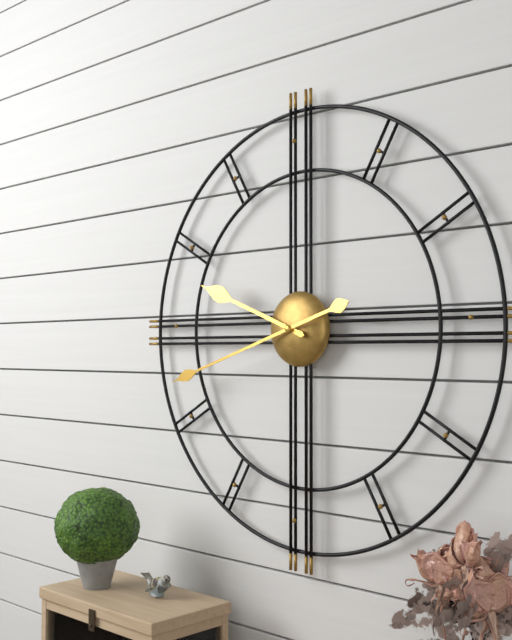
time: 9.42
